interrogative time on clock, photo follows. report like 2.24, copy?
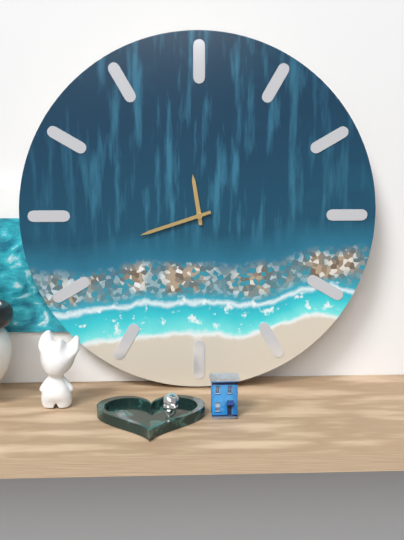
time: 11.42
